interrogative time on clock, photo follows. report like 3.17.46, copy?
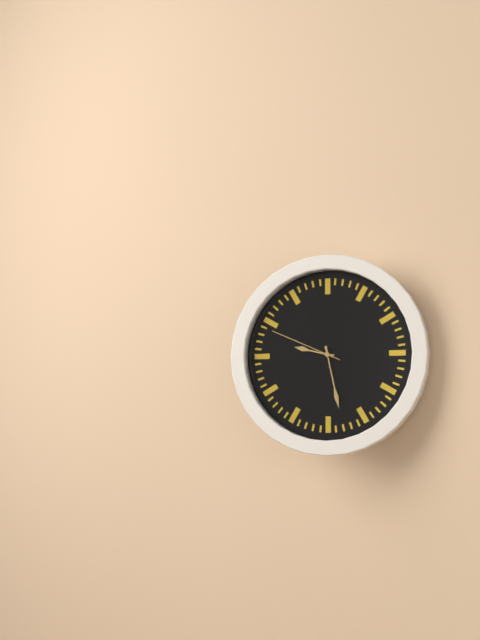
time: 9.28.49
